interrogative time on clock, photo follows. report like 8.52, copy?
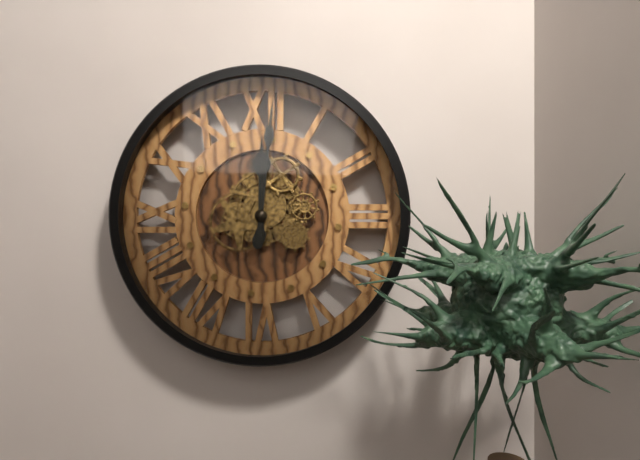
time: 12.01
